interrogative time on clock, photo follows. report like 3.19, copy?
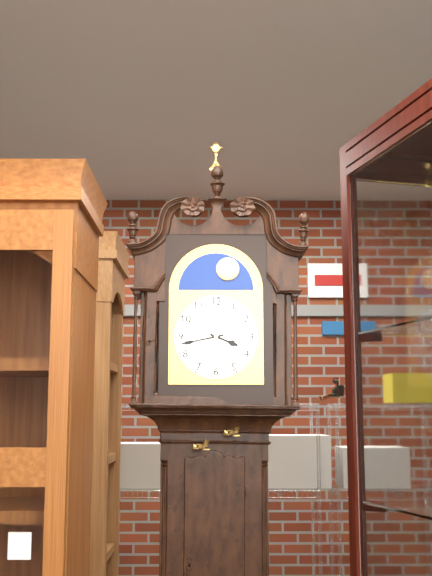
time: 3.43
